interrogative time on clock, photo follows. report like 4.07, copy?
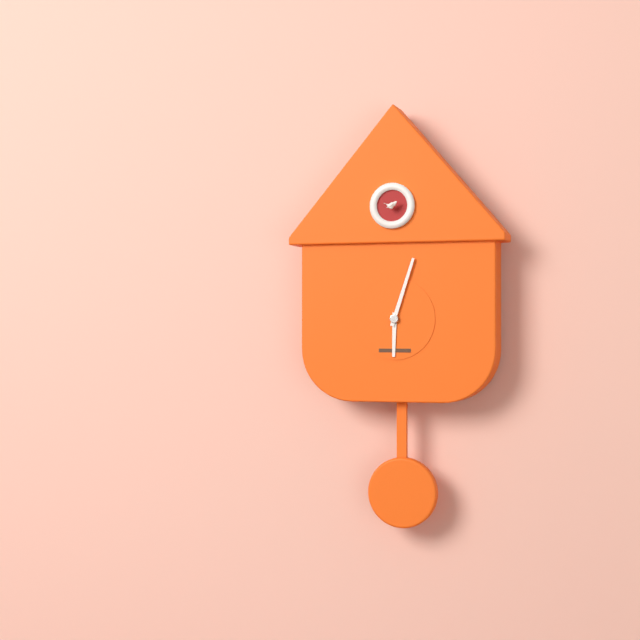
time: 6.03
